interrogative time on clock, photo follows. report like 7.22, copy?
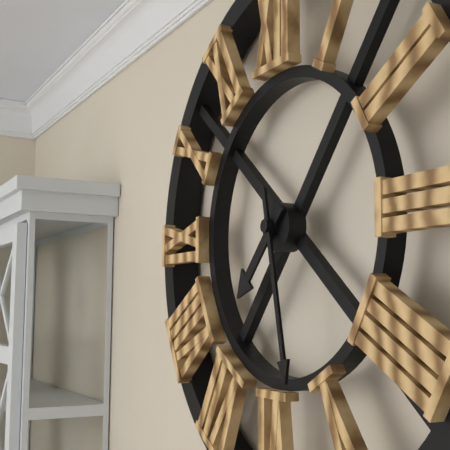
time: 7.28
